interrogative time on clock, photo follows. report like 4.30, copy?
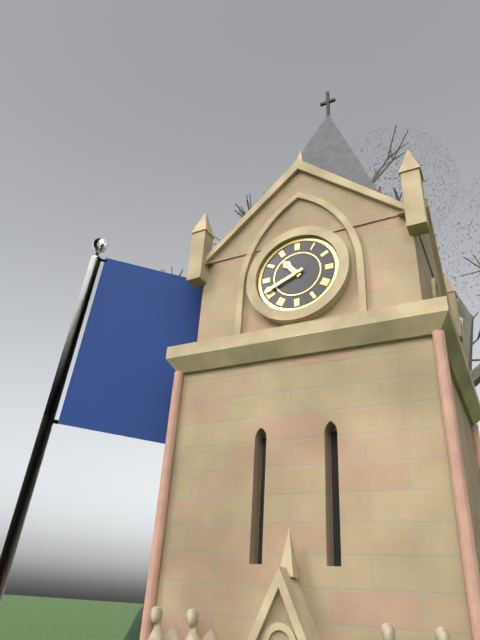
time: 10.41
